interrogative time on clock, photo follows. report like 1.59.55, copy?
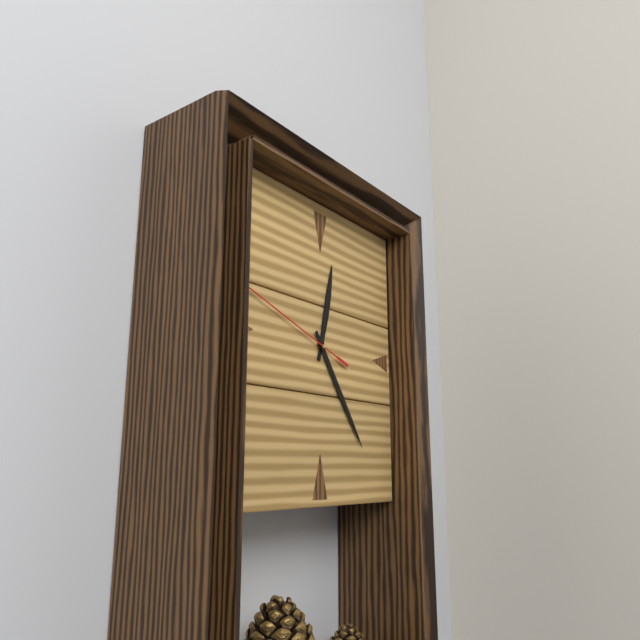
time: 12.24.48
